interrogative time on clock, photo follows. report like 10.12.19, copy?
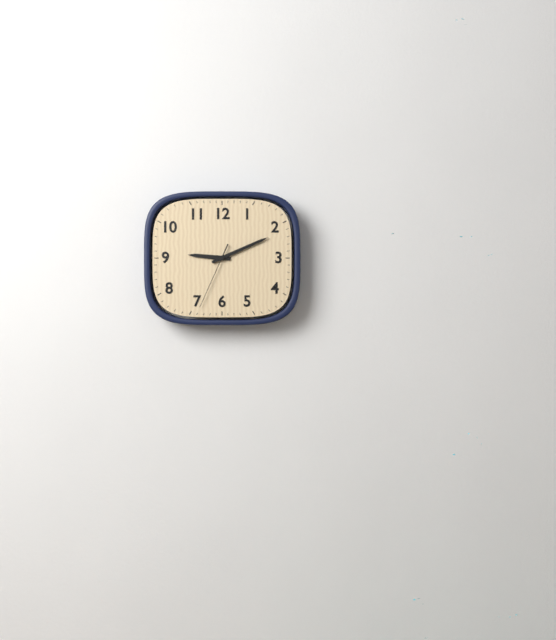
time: 9.11.34
